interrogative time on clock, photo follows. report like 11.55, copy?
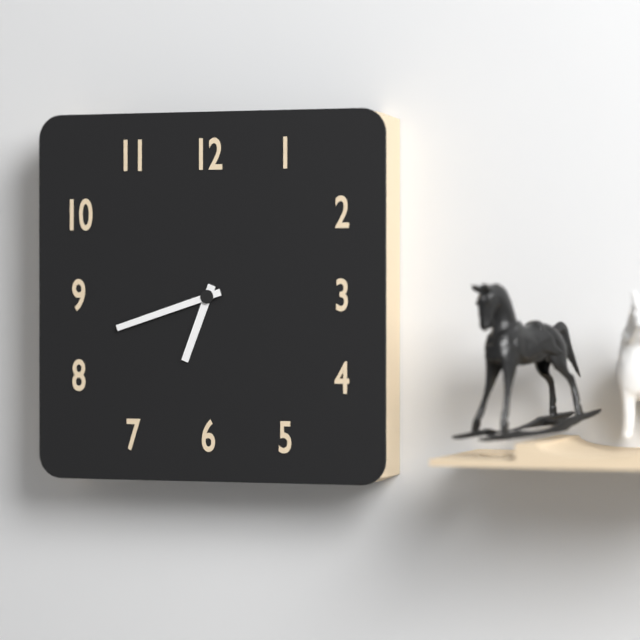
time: 6.42
